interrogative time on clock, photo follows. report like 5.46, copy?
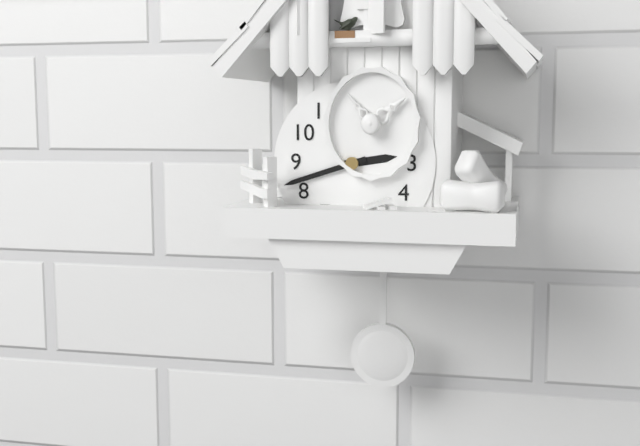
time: 2.42
